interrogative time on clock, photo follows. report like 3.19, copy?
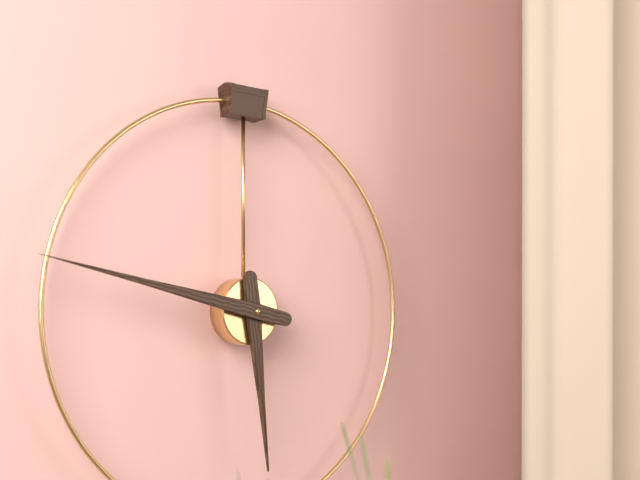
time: 5.47
